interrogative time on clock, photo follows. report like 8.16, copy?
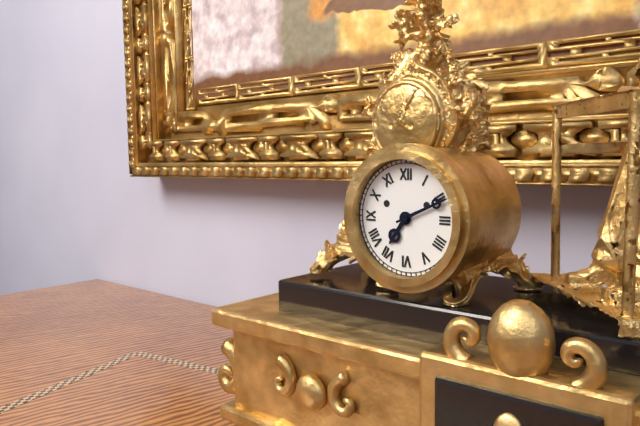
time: 7.11
